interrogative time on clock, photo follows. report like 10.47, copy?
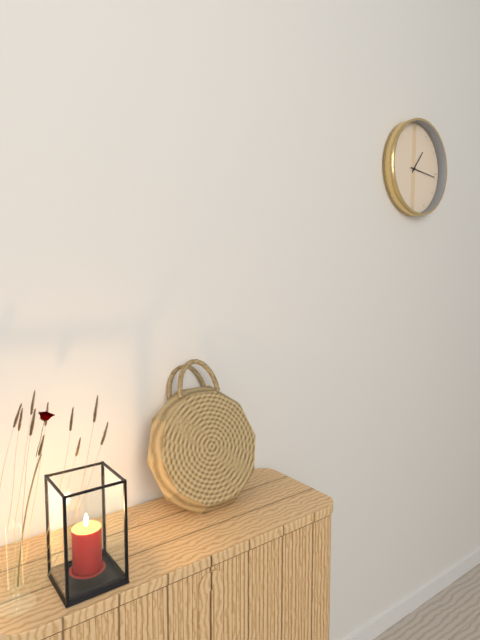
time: 1.16
